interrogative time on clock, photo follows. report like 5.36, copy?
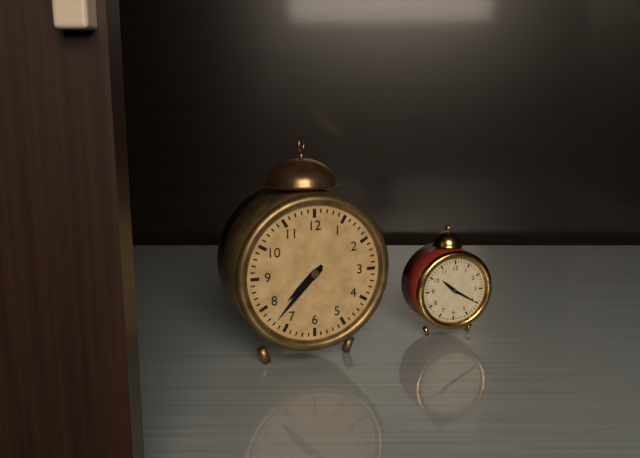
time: 7.37
